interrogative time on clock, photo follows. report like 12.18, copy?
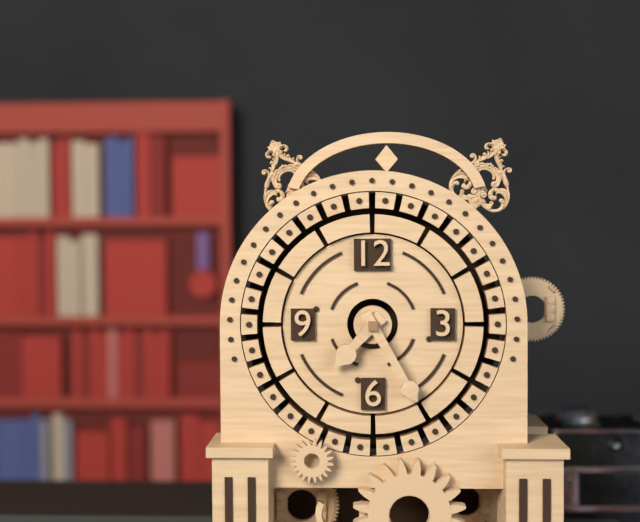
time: 7.25
